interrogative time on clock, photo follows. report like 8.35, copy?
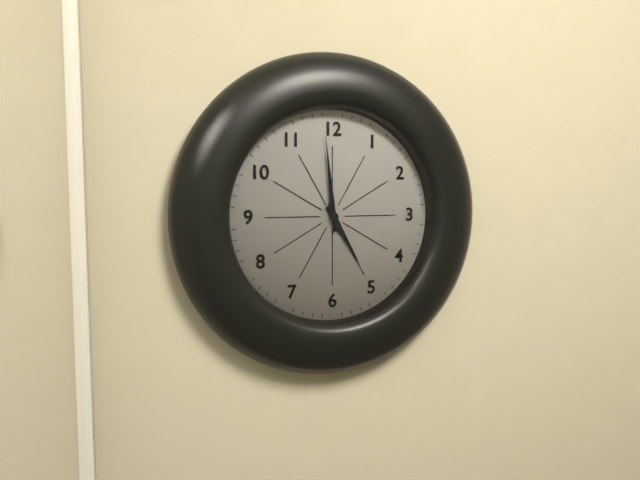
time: 4.59
